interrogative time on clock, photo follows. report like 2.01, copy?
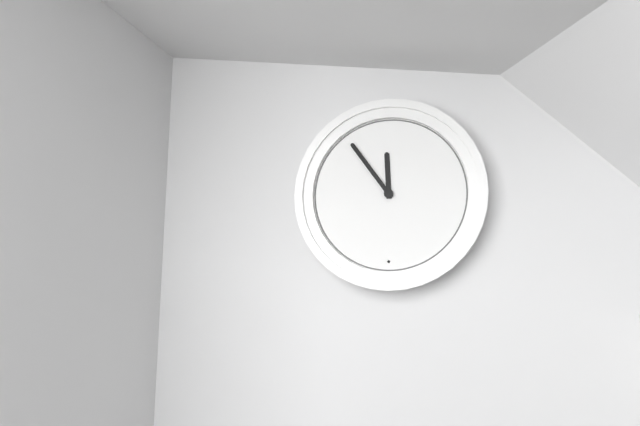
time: 11.54
